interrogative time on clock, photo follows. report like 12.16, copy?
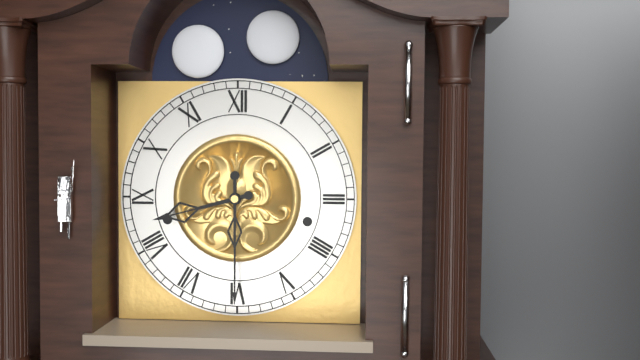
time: 8.30
